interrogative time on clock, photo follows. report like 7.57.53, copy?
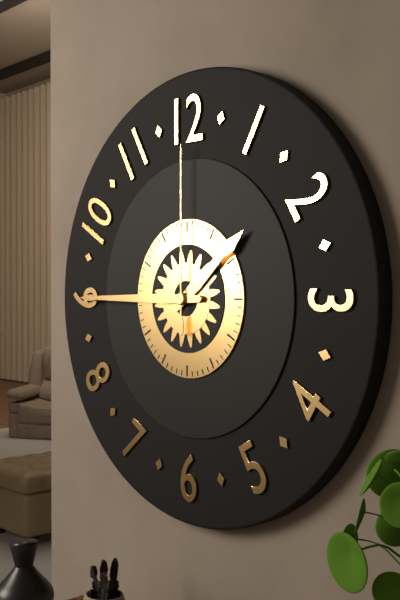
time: 1.45.00
